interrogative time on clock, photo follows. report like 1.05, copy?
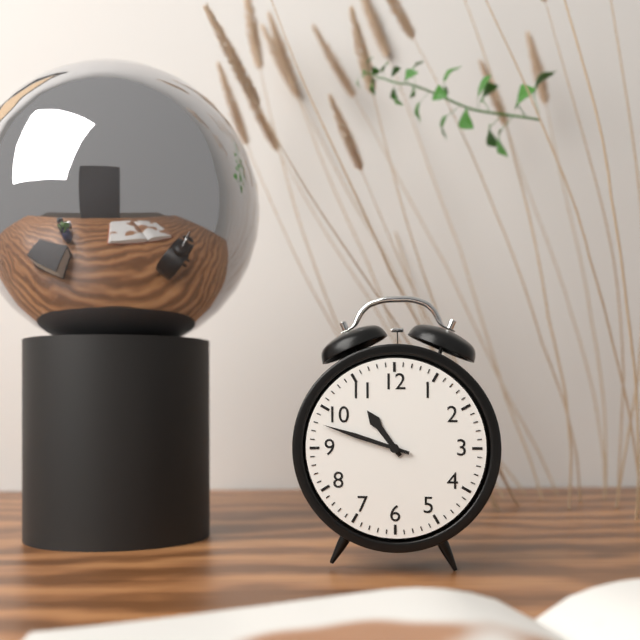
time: 10.48
